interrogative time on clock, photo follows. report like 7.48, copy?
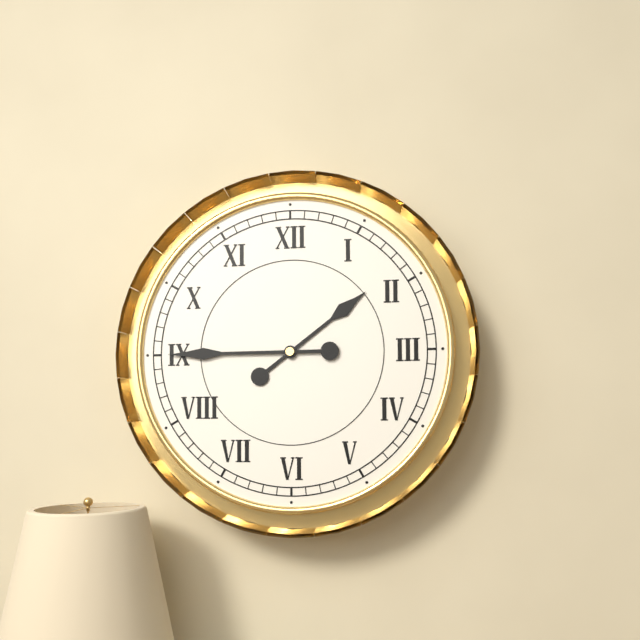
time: 1.45
